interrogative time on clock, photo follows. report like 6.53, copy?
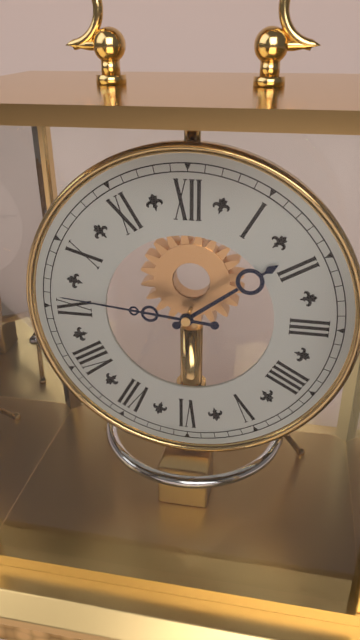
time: 1.46
